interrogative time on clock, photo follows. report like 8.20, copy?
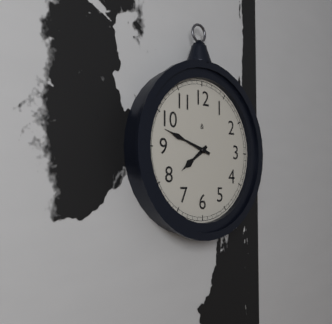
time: 7.48
